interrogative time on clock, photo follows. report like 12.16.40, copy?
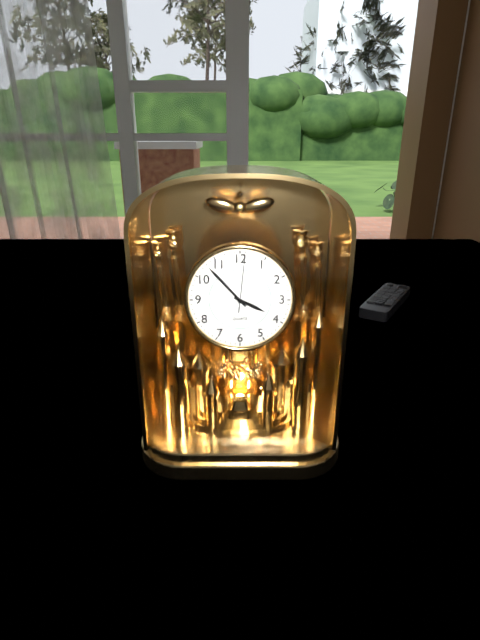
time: 3.53.01
